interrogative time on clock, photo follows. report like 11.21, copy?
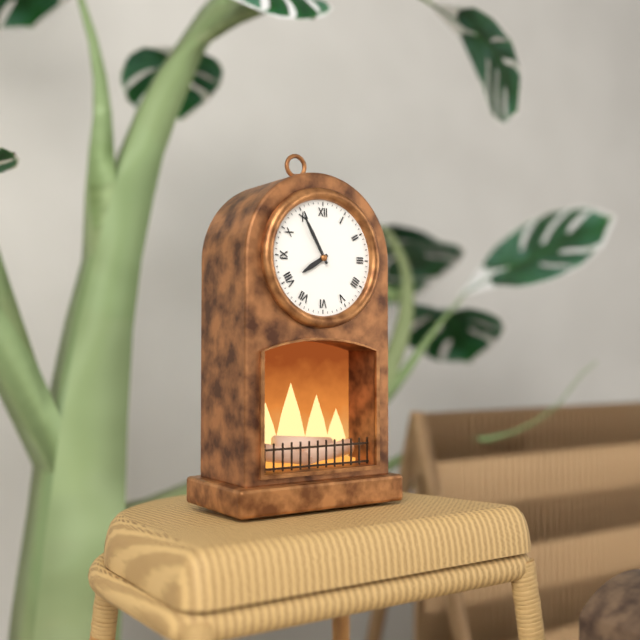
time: 7.55
